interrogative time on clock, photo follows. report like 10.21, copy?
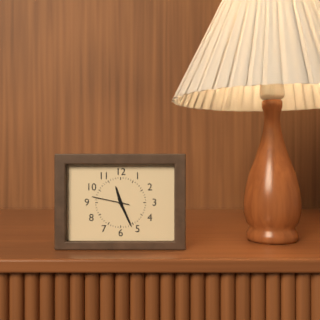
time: 11.26
